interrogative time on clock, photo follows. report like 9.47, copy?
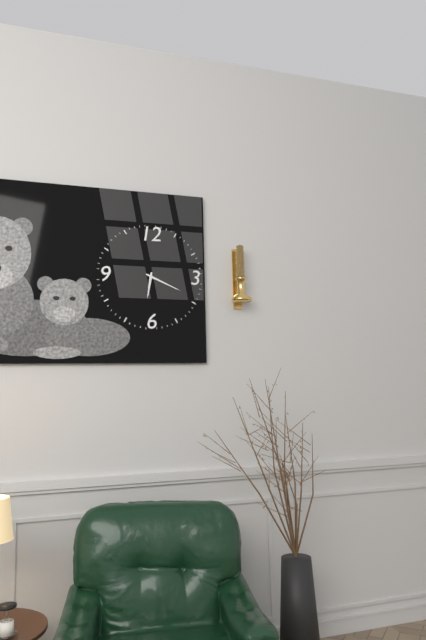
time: 6.19
